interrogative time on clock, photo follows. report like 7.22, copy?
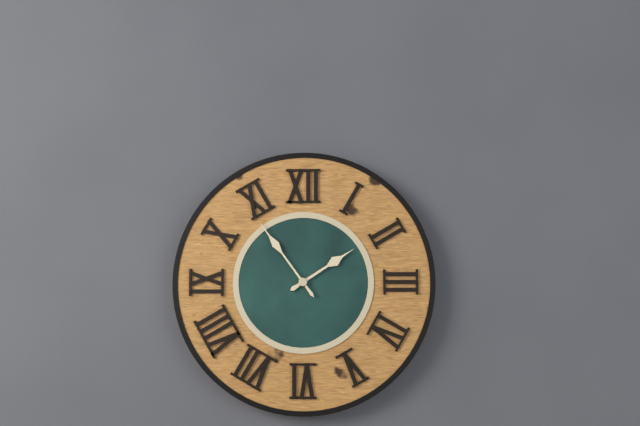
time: 1.54
